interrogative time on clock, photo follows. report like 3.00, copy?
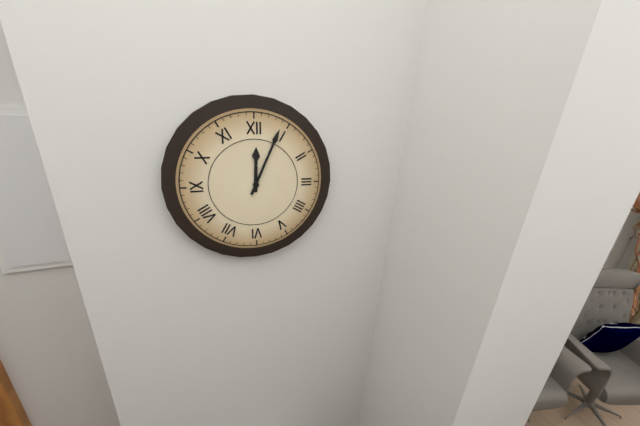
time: 12.04
